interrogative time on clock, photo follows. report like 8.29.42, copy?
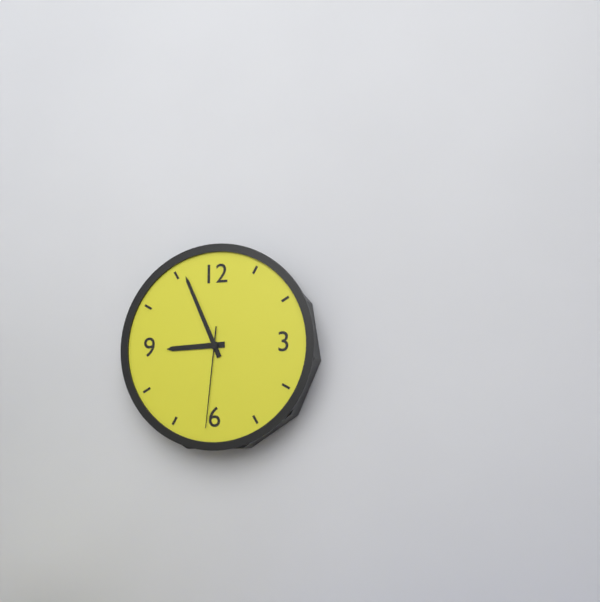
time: 8.56.31
